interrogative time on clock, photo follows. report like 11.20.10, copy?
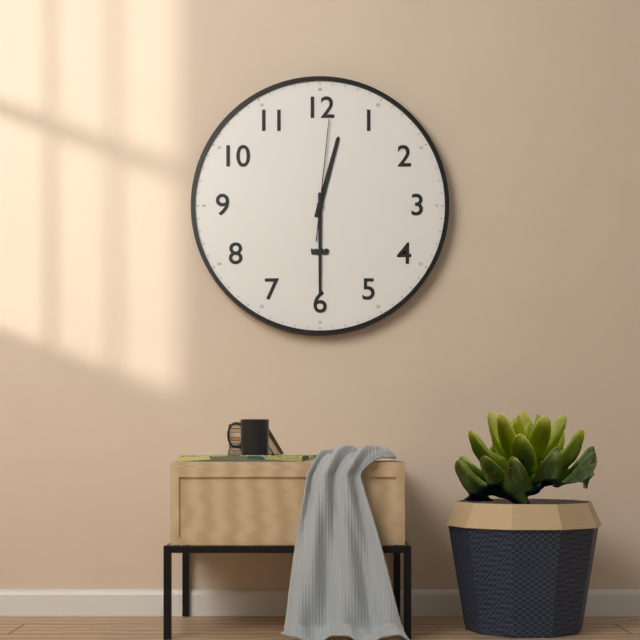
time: 12.30.01
